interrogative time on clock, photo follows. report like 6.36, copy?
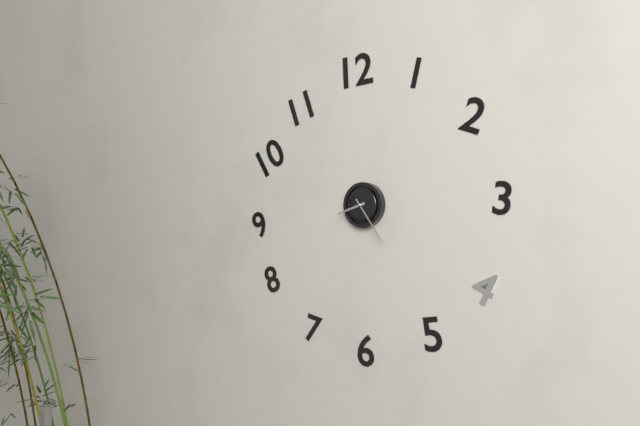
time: 8.24
